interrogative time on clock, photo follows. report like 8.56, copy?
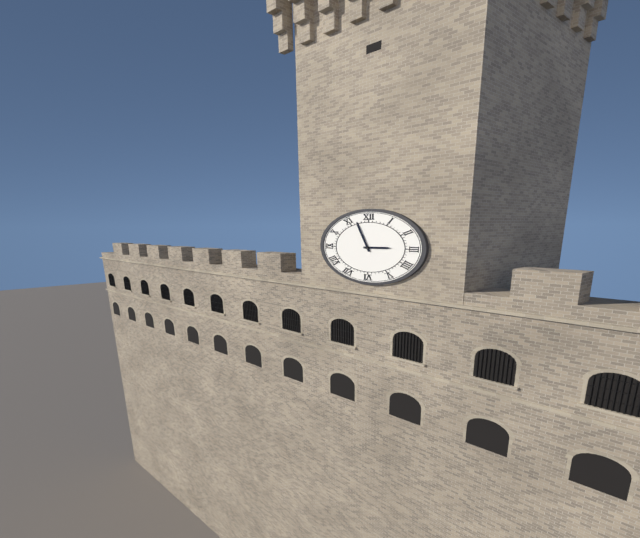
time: 2.57
